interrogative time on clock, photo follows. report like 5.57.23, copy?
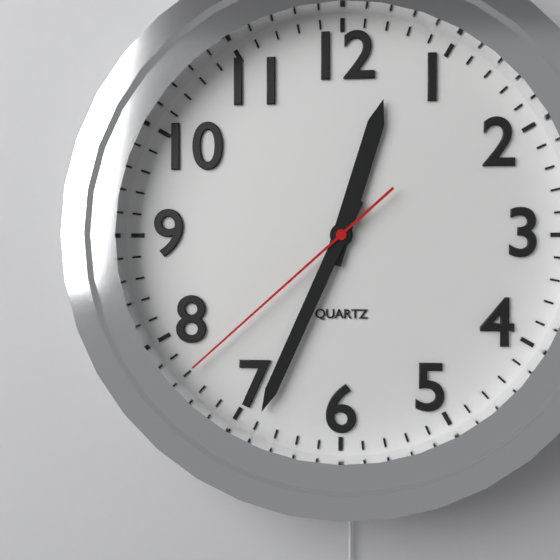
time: 12.34.38
